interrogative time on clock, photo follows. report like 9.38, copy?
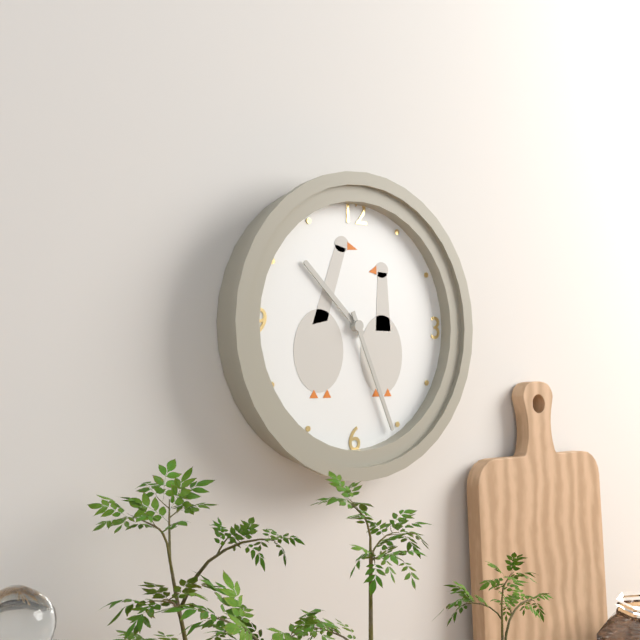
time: 10.26
